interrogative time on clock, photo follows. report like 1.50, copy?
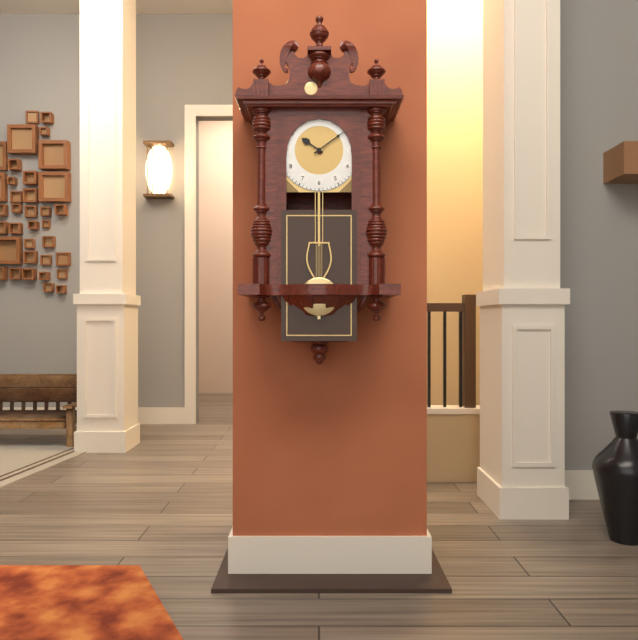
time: 10.09
